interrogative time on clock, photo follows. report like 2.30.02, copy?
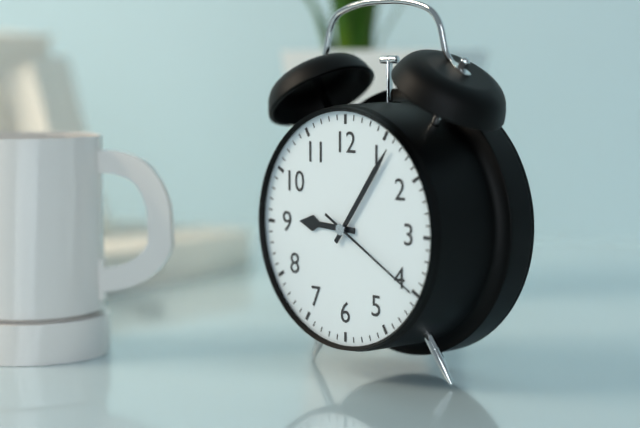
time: 9.06.20
